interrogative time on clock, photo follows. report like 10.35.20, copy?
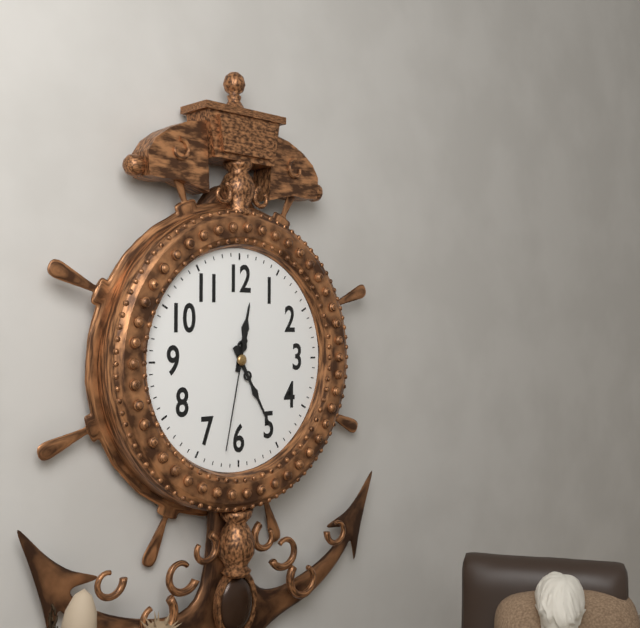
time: 12.25.32
